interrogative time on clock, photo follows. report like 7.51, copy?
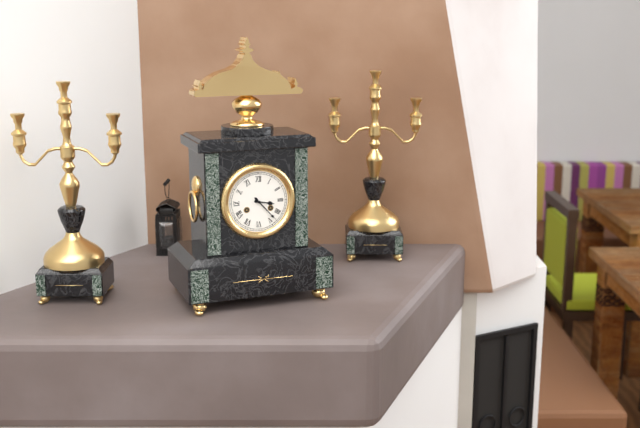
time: 3.23
